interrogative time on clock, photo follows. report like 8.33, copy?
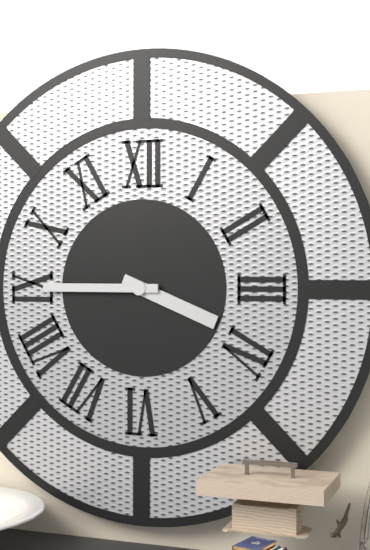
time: 3.45
